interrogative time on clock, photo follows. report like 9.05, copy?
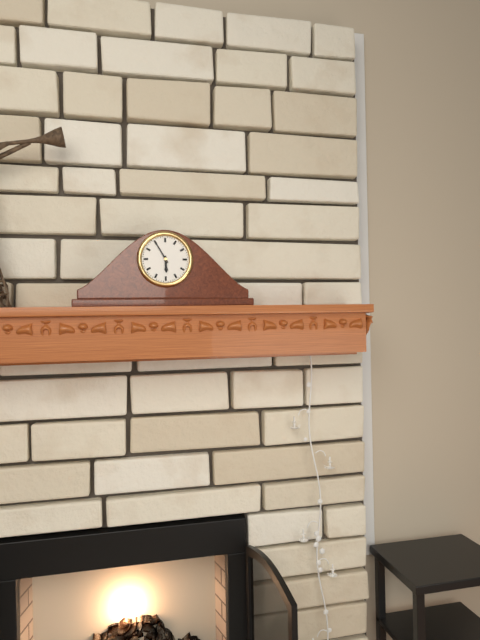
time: 5.55
